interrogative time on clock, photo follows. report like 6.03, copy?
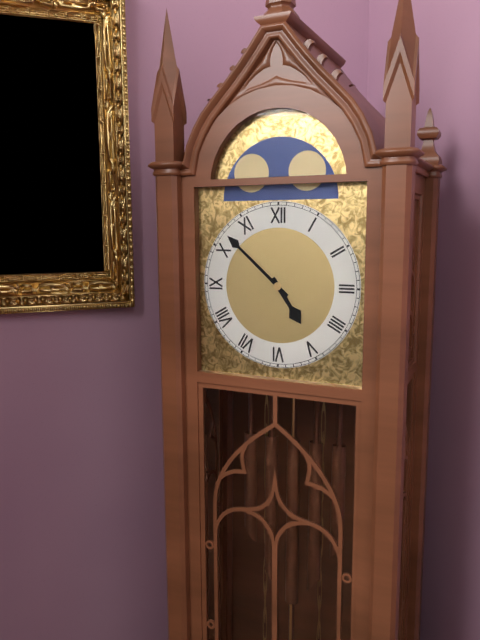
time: 4.52
